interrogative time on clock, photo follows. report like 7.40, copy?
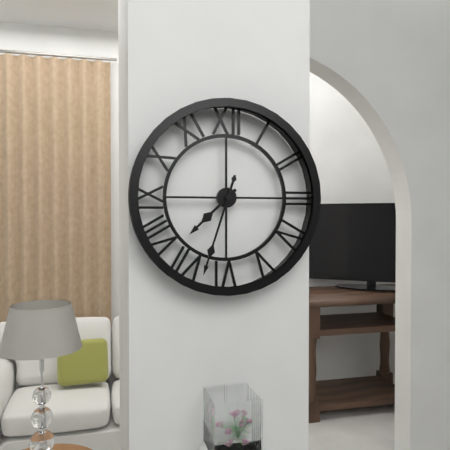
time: 7.33
